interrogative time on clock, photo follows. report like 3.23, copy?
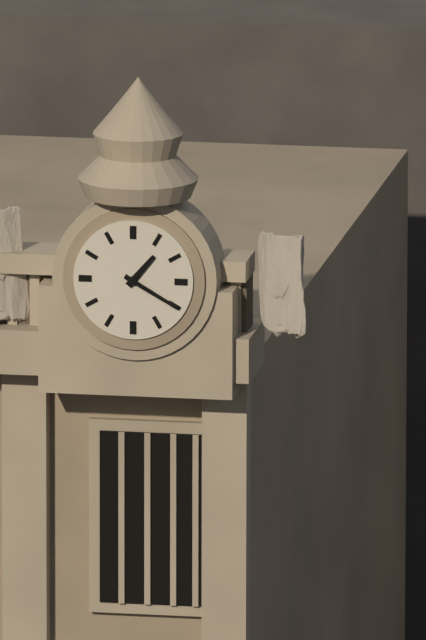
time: 1.20
